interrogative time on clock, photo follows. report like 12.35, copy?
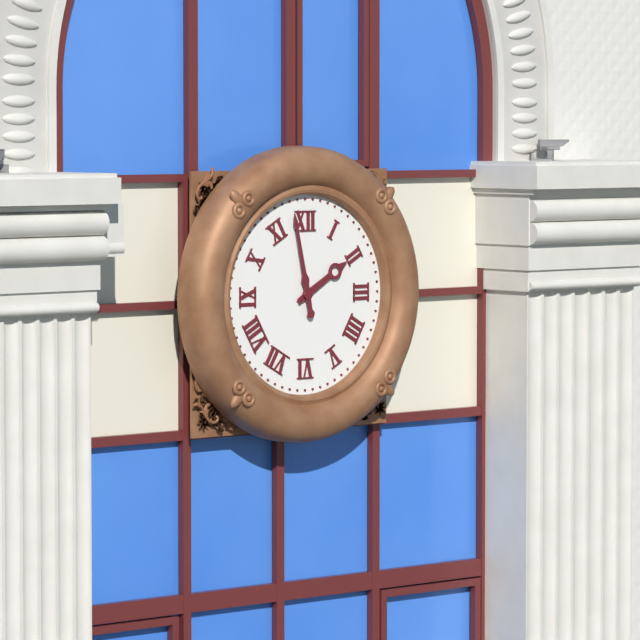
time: 1.58
